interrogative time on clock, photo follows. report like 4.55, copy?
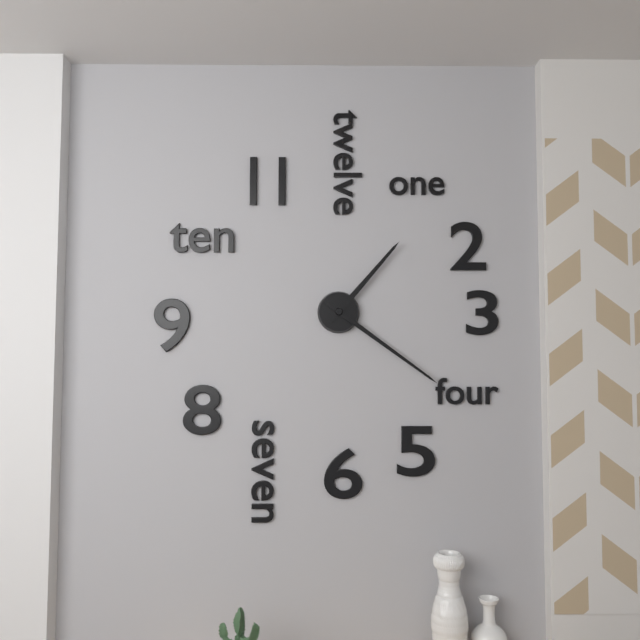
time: 1.21
